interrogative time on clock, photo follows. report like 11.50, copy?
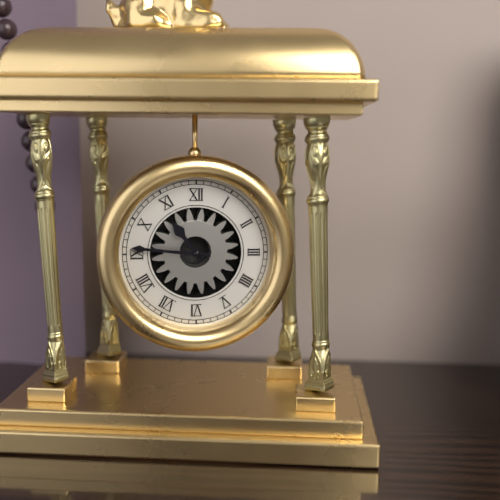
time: 10.46
